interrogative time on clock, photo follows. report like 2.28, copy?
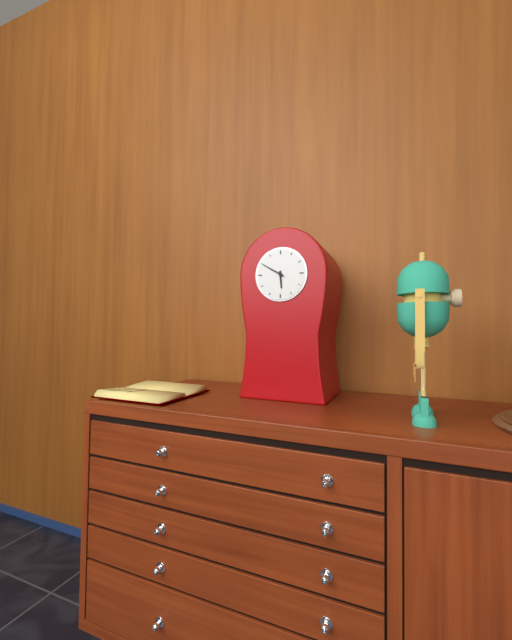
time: 5.50
